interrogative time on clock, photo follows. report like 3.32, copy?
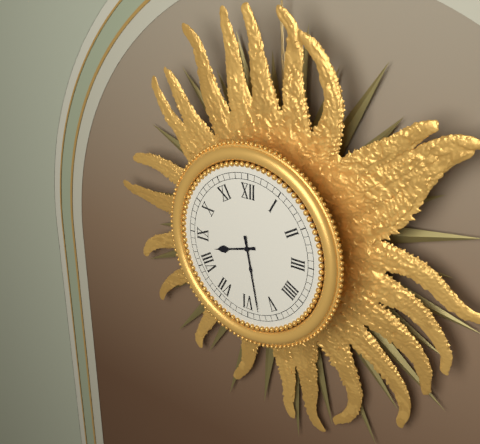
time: 8.28
